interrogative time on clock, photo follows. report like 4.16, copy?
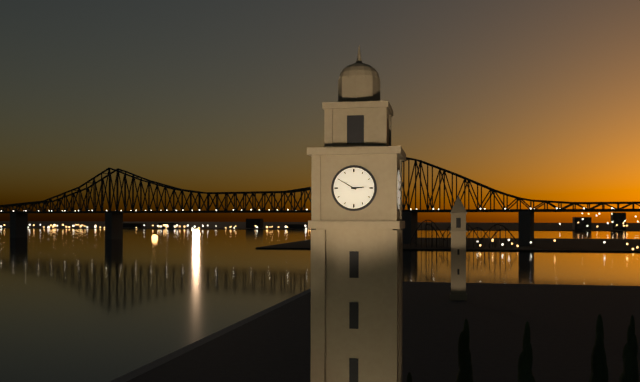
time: 2.50
